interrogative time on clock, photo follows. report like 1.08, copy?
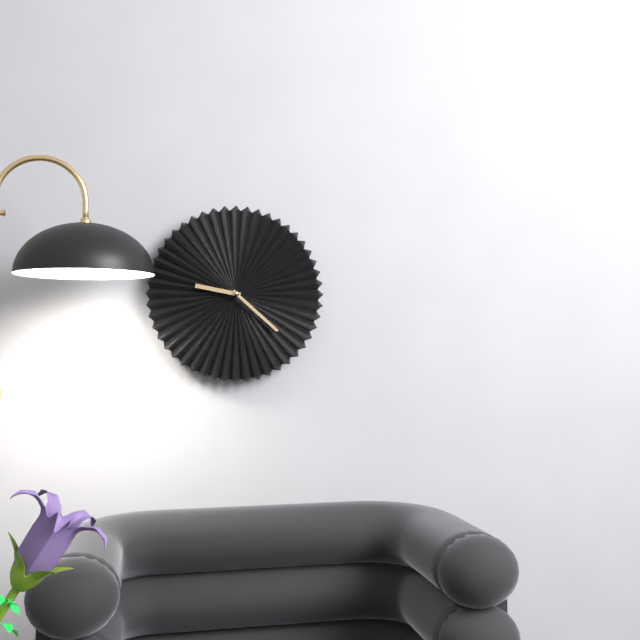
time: 9.22
